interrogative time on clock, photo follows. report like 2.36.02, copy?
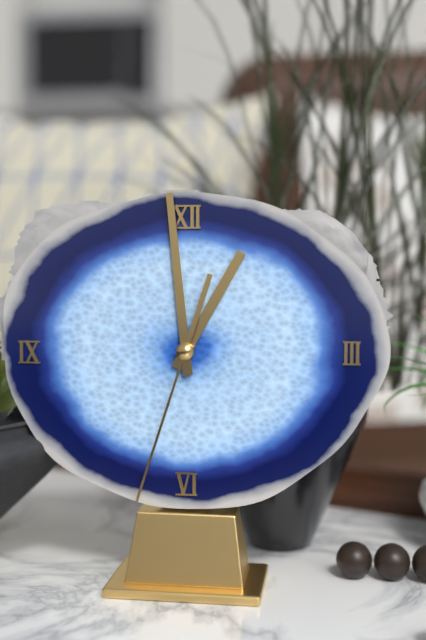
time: 12.59.33
